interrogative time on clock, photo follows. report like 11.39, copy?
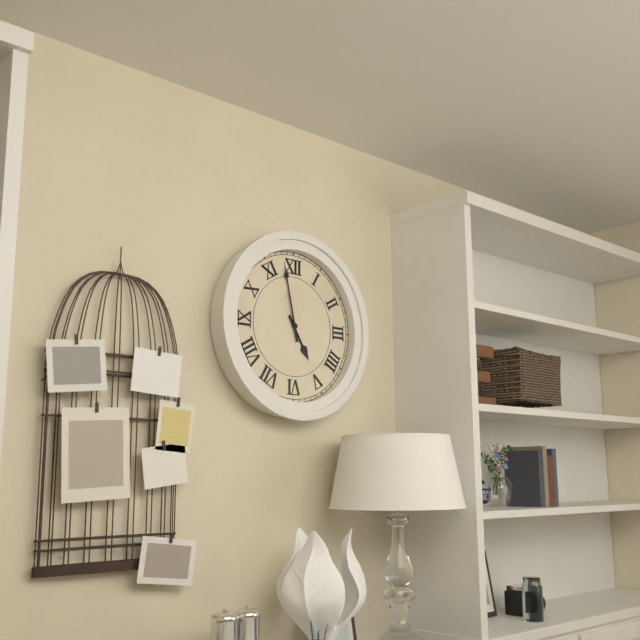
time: 4.58
